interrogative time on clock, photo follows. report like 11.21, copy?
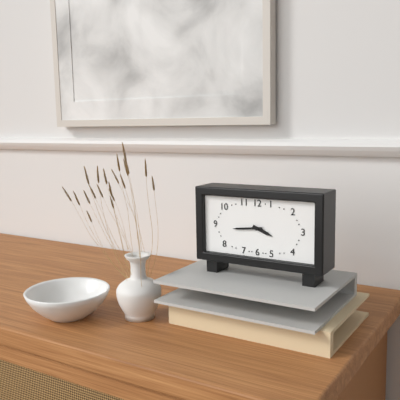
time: 3.44
